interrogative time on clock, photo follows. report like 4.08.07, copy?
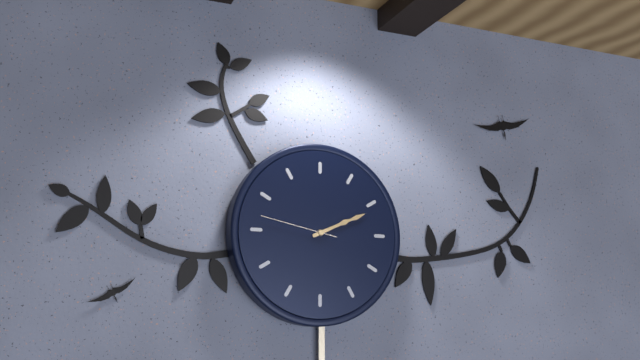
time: 2.11.47
